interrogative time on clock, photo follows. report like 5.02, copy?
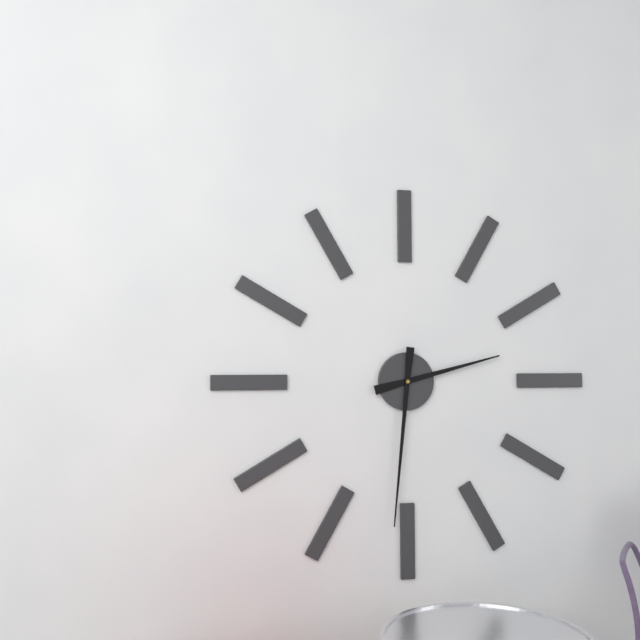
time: 2.31
